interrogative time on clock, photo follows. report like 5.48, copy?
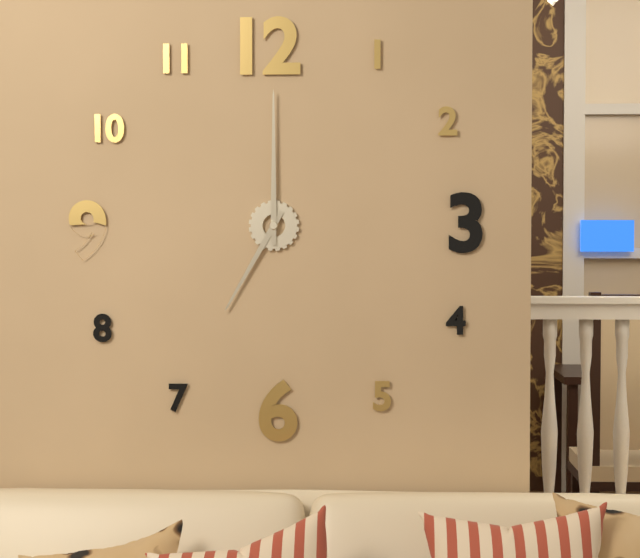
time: 7.00
